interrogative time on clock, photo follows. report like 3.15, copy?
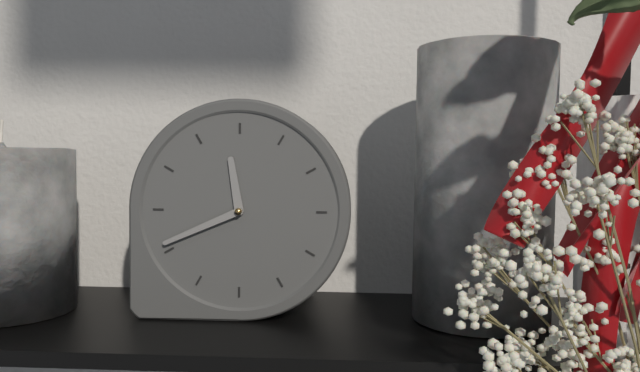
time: 11.41
